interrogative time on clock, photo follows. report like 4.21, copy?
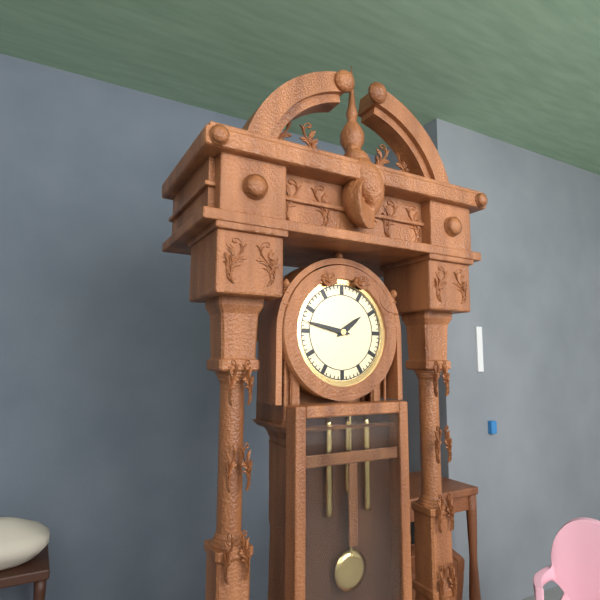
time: 1.47
